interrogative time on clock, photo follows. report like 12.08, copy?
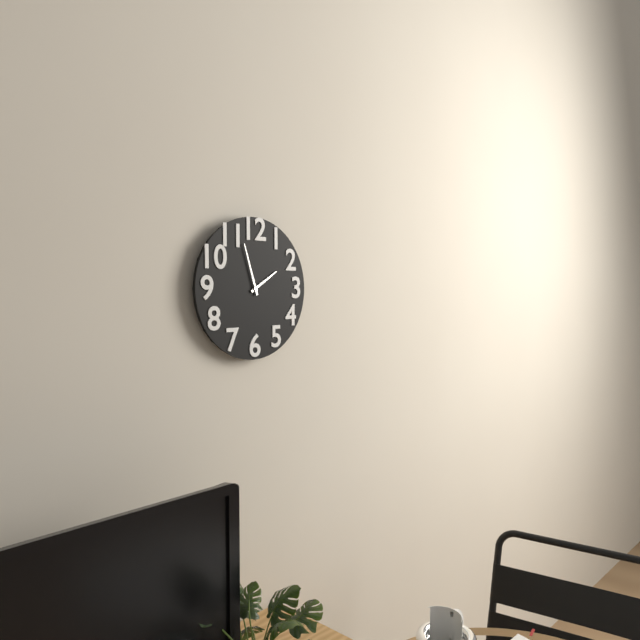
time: 1.57
